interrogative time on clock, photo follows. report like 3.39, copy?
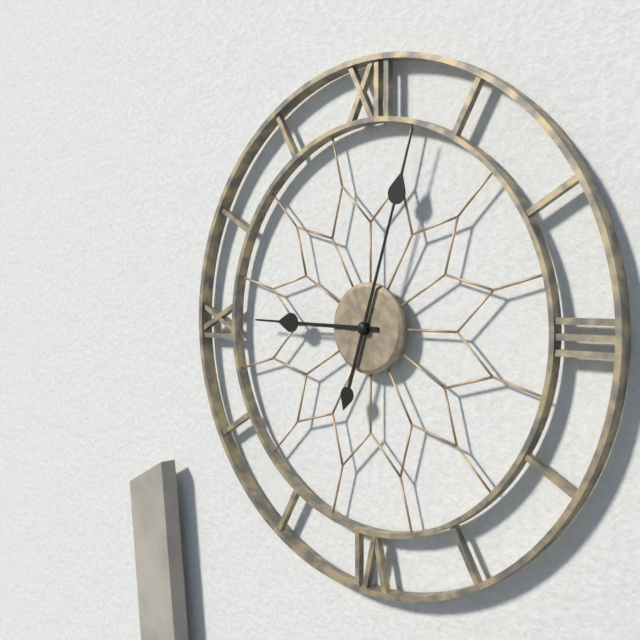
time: 9.03
